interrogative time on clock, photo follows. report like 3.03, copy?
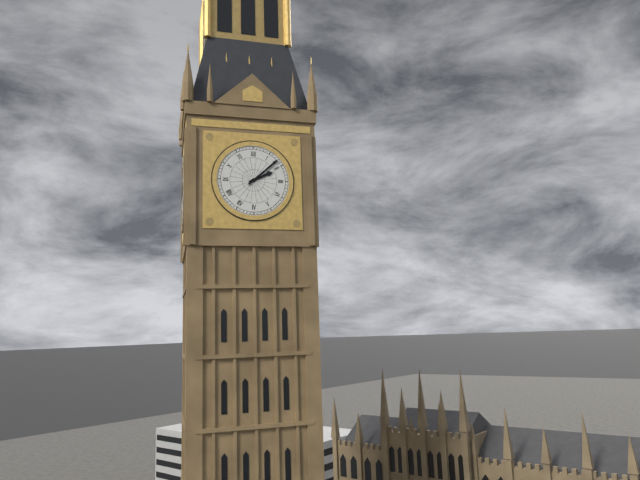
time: 2.08
